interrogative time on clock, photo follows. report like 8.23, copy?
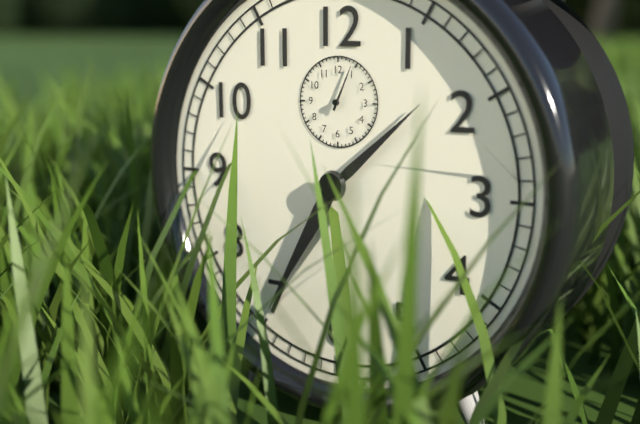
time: 1.35
